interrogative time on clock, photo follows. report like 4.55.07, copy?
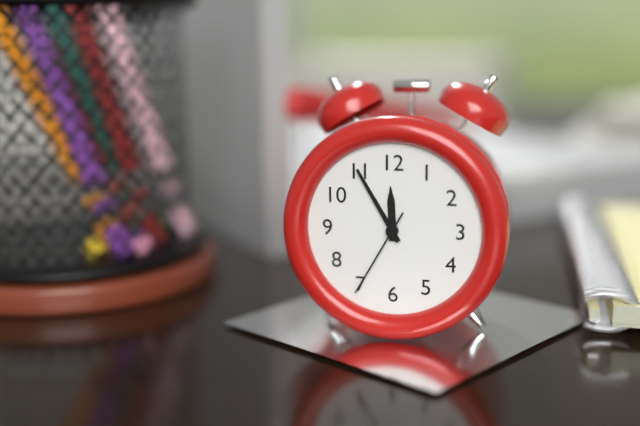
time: 11.55.35
